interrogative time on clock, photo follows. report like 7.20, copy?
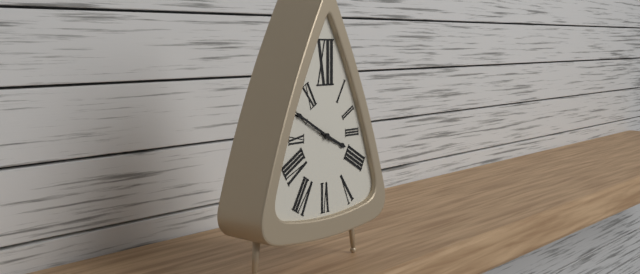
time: 3.50
